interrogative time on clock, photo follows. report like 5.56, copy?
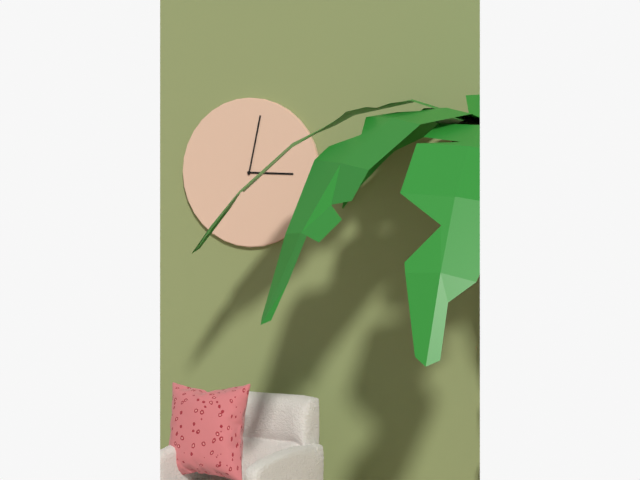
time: 3.02
